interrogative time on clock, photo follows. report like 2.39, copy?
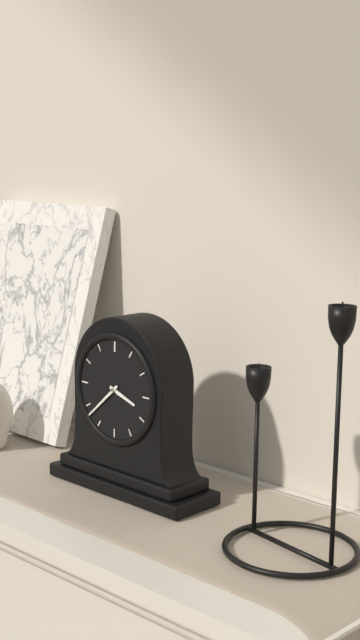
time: 3.38
